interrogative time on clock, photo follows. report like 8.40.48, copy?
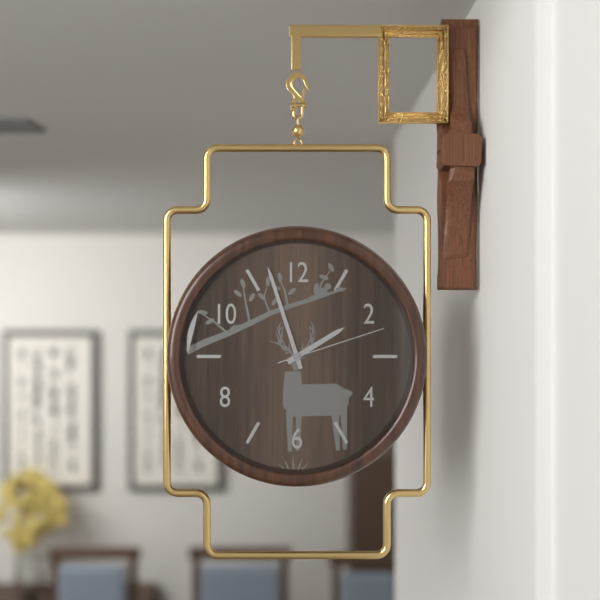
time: 1.57.12
